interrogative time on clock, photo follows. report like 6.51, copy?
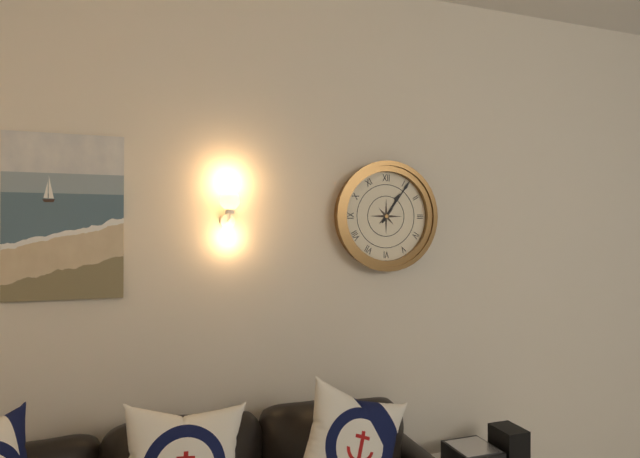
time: 1.06
